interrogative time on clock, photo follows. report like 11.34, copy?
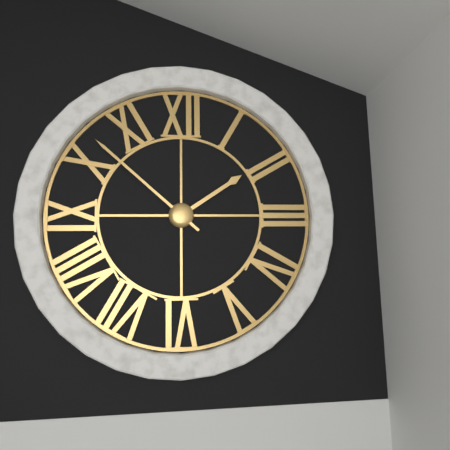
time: 1.52
